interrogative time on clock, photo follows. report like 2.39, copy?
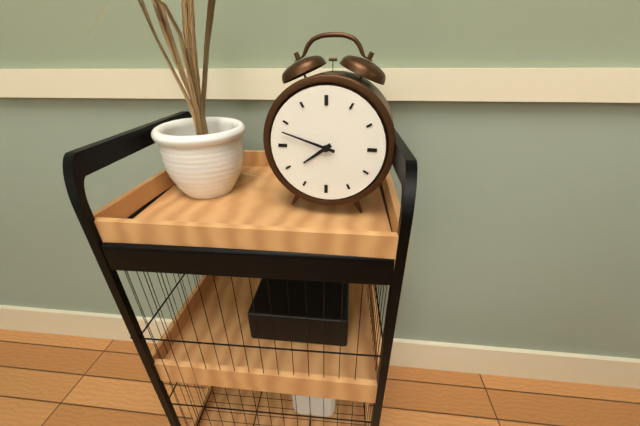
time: 7.48
